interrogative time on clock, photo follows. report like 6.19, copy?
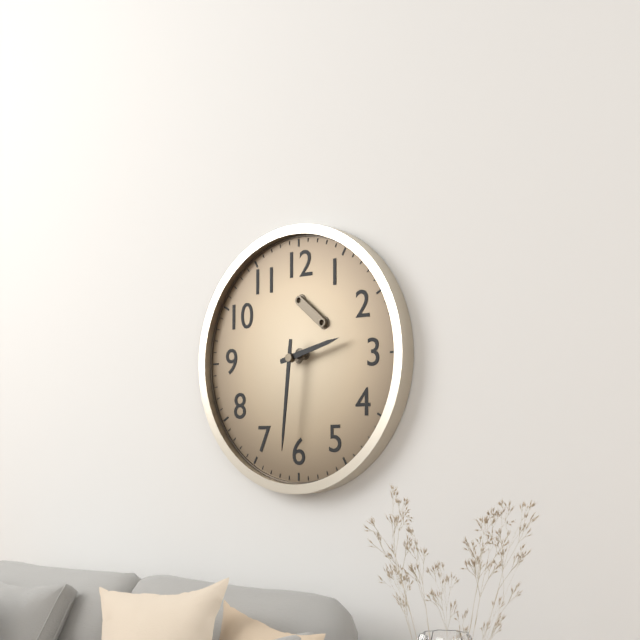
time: 2.31
